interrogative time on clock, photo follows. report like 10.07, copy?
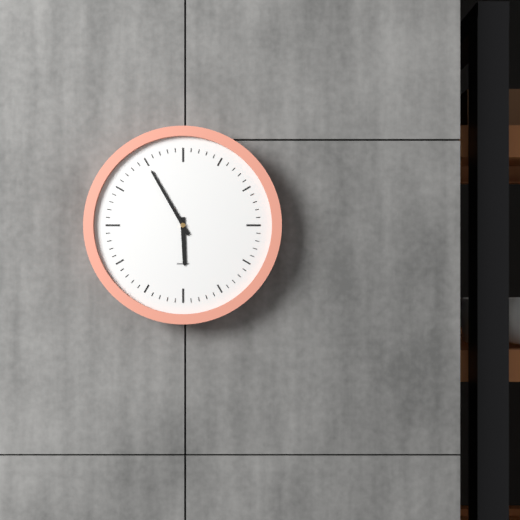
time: 5.55
